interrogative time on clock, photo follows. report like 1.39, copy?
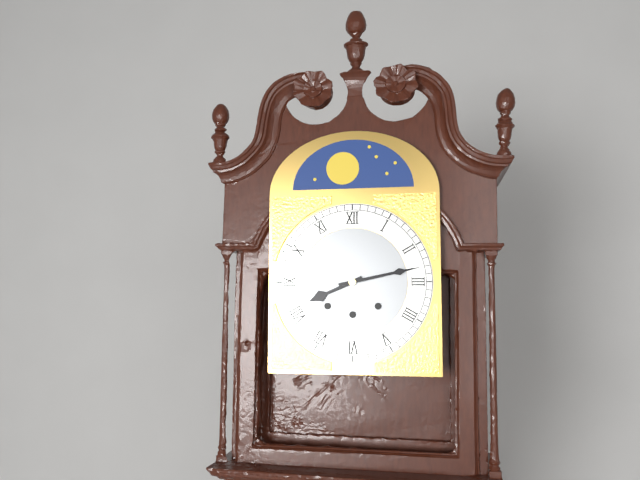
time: 8.13
